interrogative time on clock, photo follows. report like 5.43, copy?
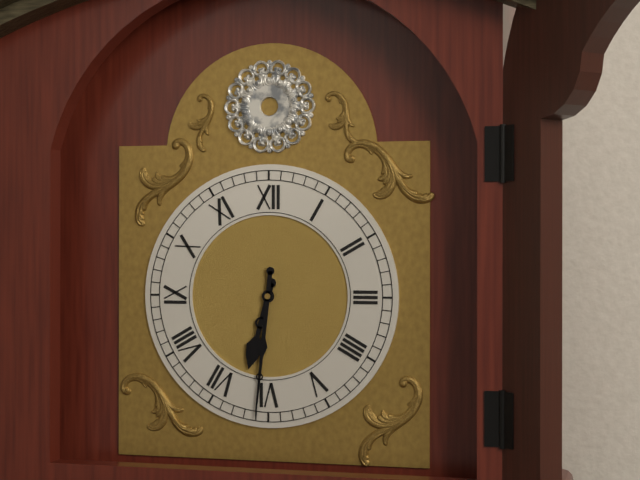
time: 6.31
